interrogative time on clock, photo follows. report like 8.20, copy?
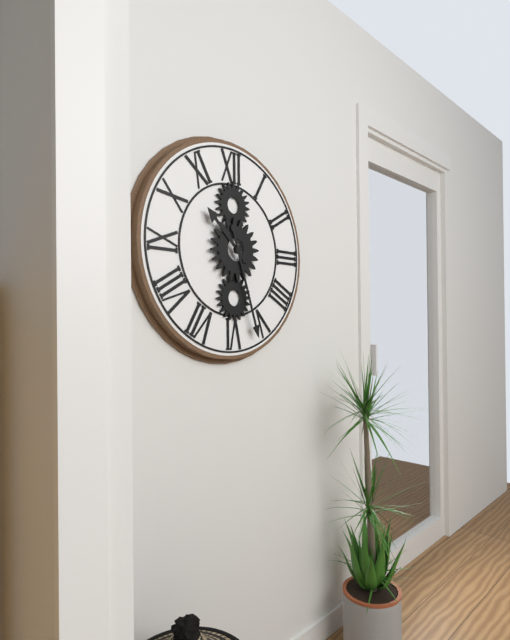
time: 10.27
